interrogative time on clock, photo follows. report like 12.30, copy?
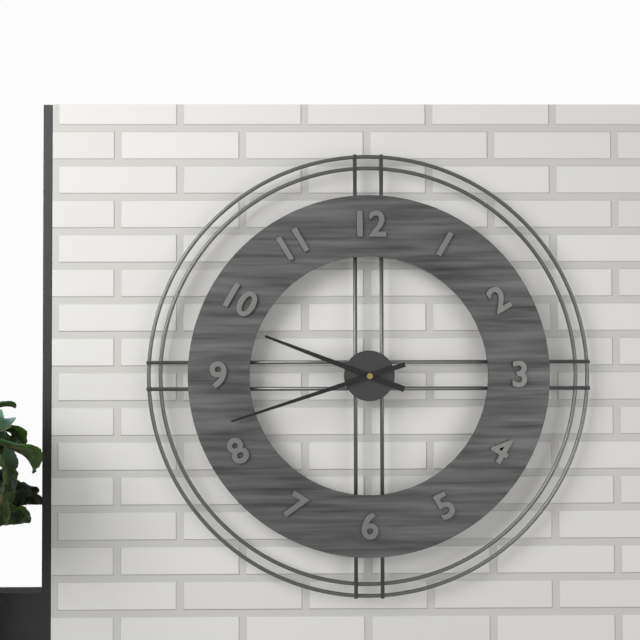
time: 9.42
